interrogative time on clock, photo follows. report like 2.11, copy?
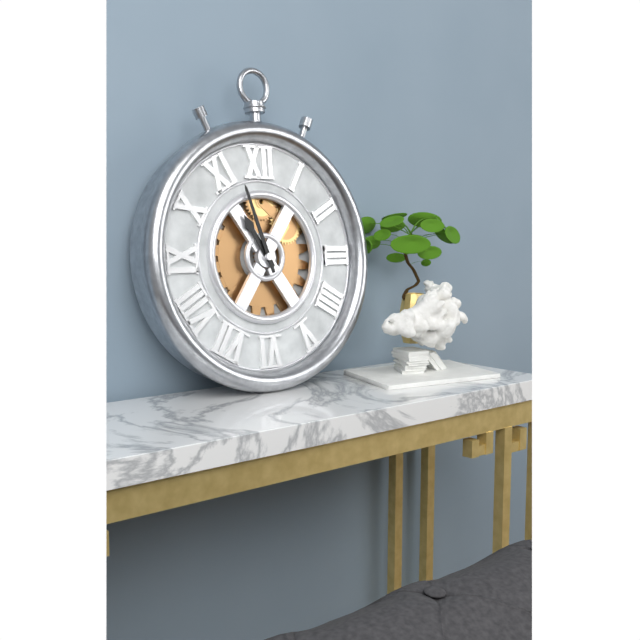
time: 10.57
